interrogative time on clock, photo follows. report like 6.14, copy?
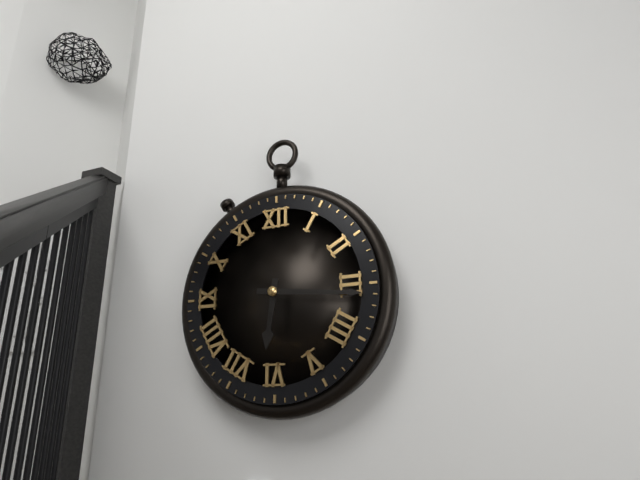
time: 6.16
